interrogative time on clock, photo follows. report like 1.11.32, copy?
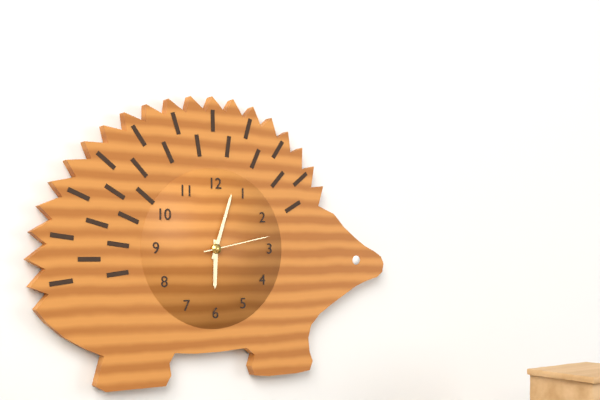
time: 6.03.13
